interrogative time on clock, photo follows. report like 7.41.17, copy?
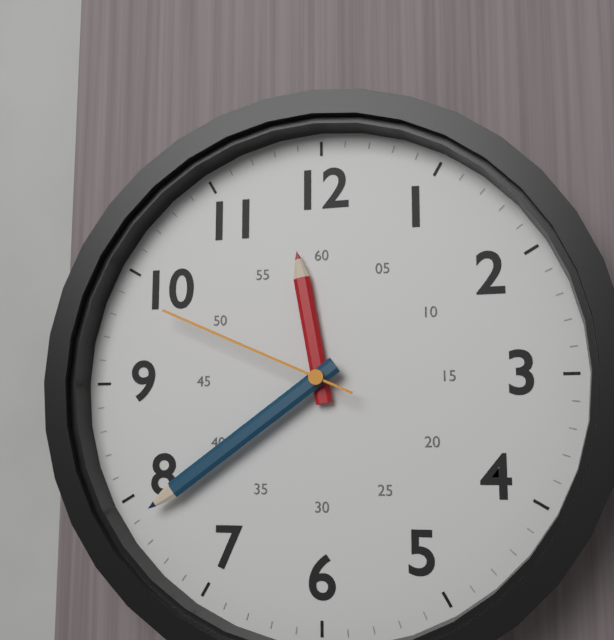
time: 11.39.49
